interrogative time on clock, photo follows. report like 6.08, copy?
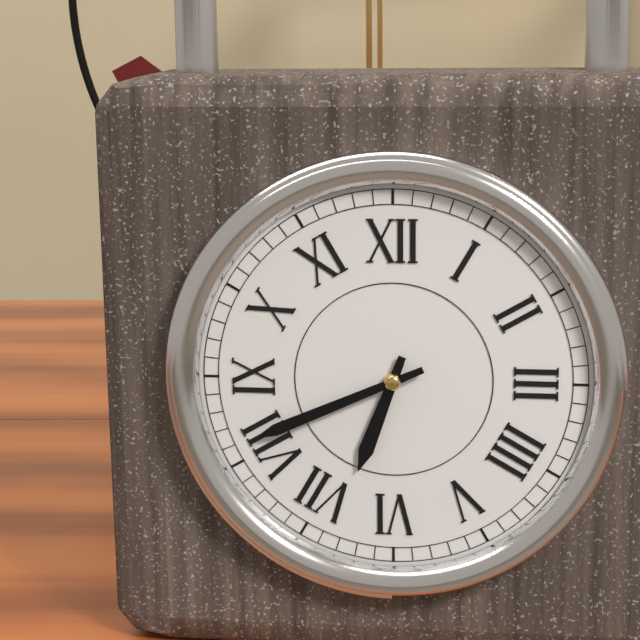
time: 6.41
